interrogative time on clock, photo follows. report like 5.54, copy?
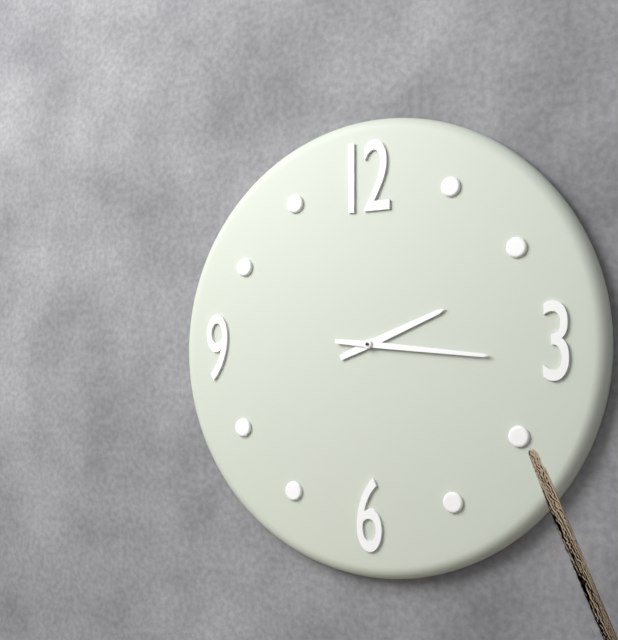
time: 2.16
